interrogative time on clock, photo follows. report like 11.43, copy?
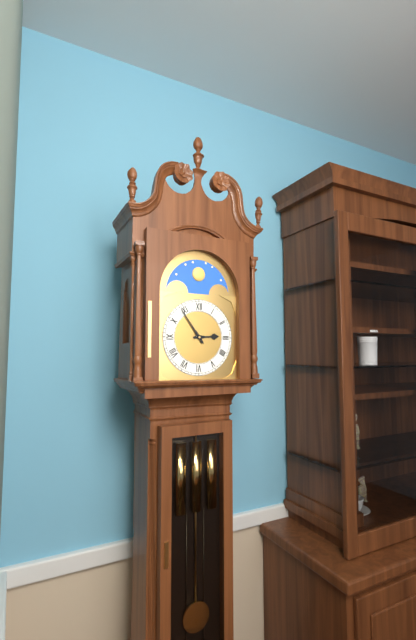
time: 2.54
